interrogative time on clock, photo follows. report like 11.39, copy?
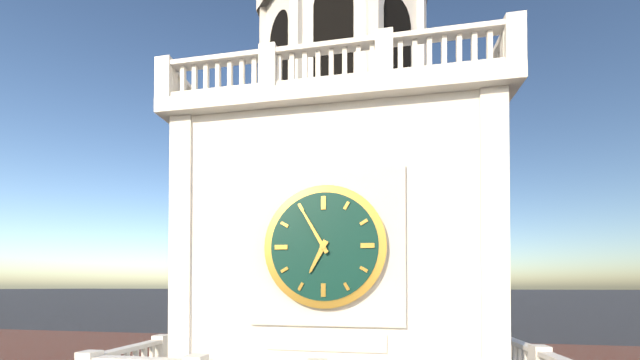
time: 6.55
